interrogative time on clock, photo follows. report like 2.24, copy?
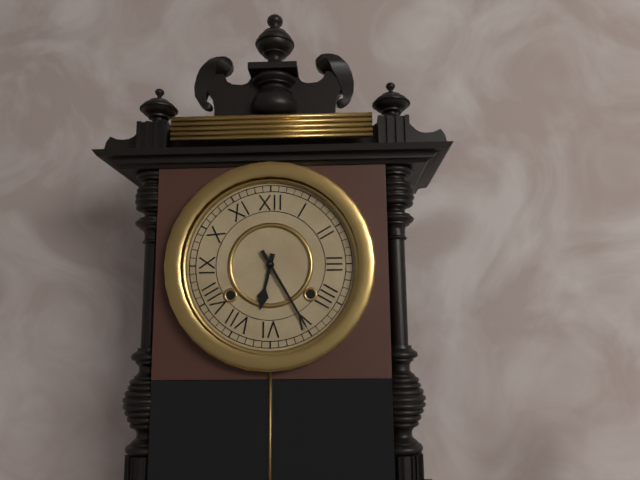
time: 6.25
